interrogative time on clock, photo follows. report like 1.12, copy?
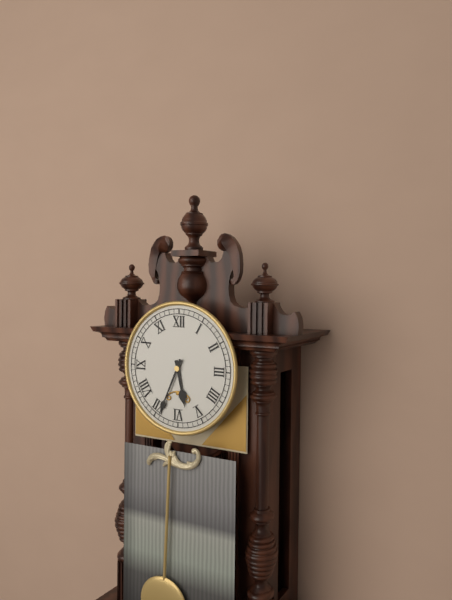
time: 5.34
